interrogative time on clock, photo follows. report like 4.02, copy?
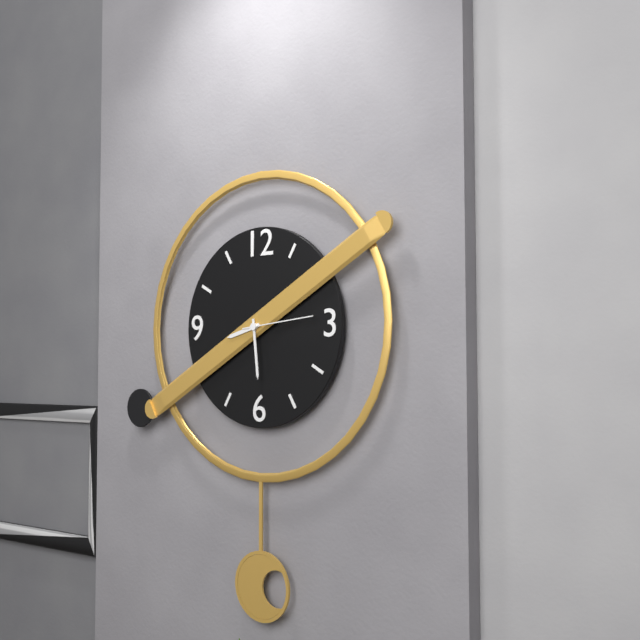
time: 8.29
